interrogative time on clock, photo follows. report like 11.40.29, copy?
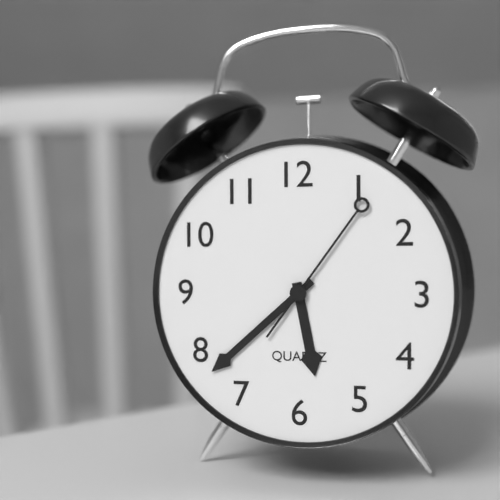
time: 5.38.06
